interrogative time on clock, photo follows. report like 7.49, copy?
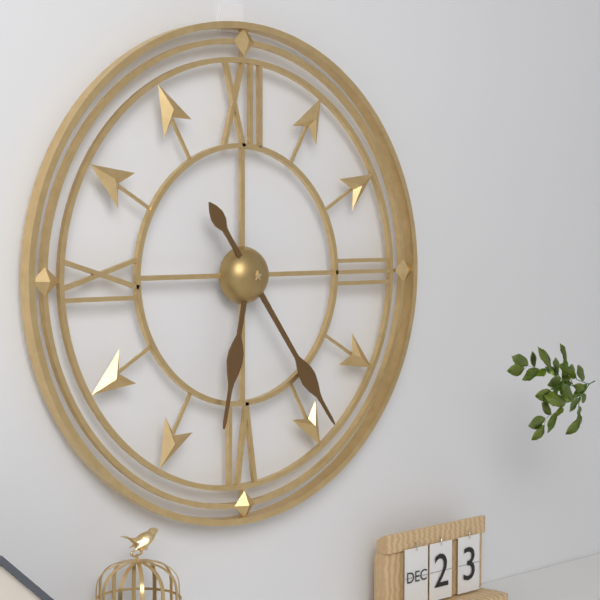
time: 6.24
